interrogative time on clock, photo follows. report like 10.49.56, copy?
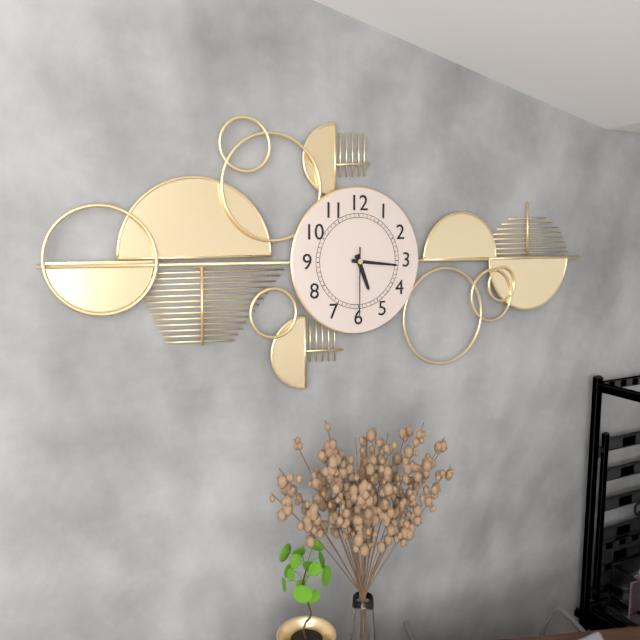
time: 5.16.30
